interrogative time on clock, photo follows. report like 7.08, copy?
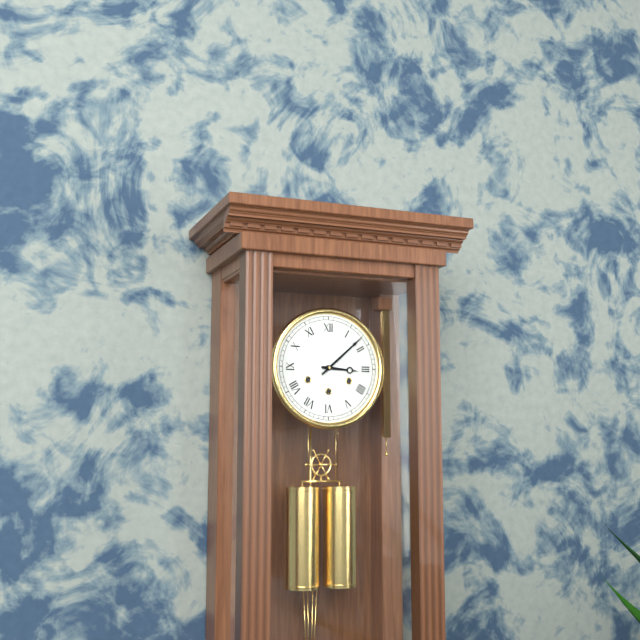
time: 3.08
